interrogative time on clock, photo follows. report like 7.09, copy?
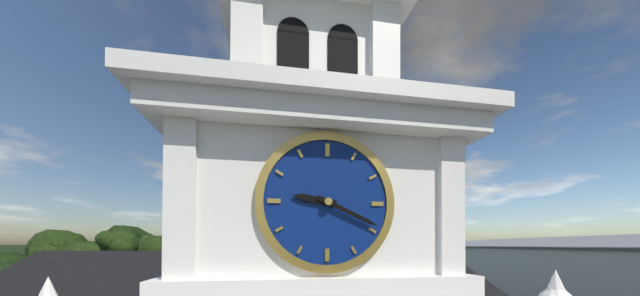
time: 9.19
